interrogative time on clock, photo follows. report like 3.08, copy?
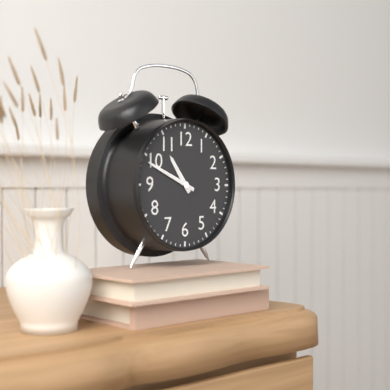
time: 10.49
